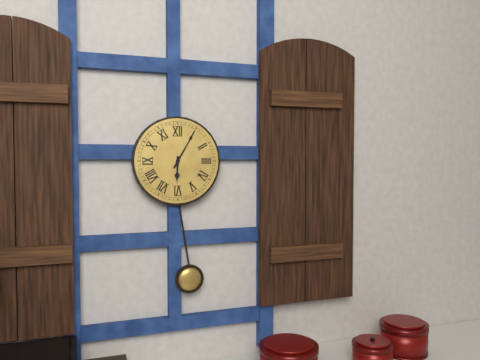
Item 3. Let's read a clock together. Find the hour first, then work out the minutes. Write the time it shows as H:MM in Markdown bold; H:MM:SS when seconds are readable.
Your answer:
**6:05**
